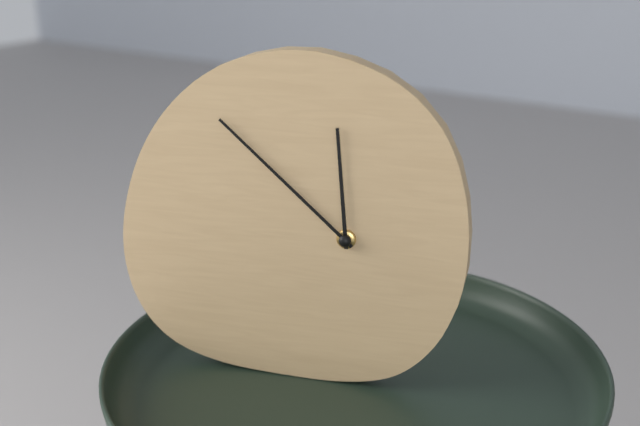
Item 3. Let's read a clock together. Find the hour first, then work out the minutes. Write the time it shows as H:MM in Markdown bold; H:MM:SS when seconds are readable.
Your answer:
**11:52**
